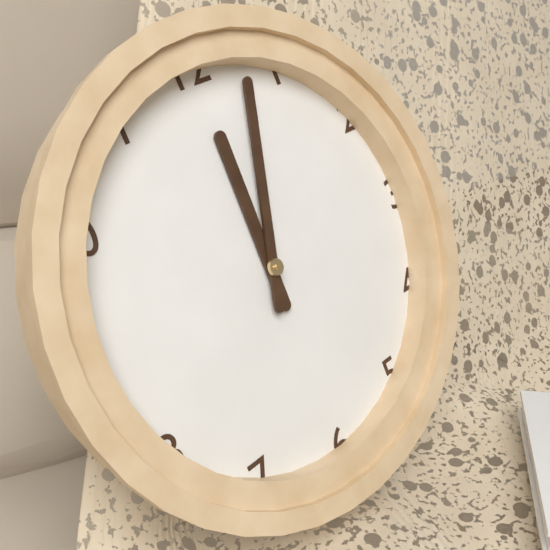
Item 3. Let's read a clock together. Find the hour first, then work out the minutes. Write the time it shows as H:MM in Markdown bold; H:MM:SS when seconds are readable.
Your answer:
**12:03**
